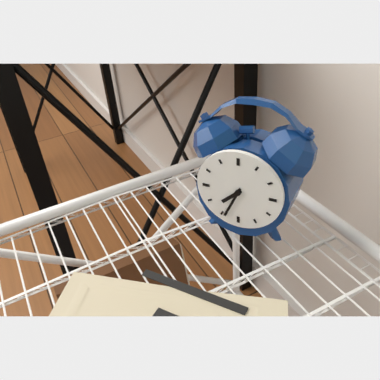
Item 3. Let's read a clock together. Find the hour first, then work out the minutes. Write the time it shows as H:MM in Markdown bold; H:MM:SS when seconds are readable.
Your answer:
**7:34**
